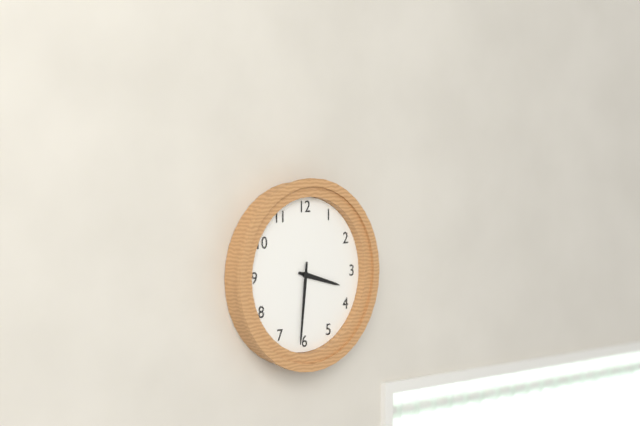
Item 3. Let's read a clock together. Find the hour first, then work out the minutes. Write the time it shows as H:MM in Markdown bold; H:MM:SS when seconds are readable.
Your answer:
**3:31**
